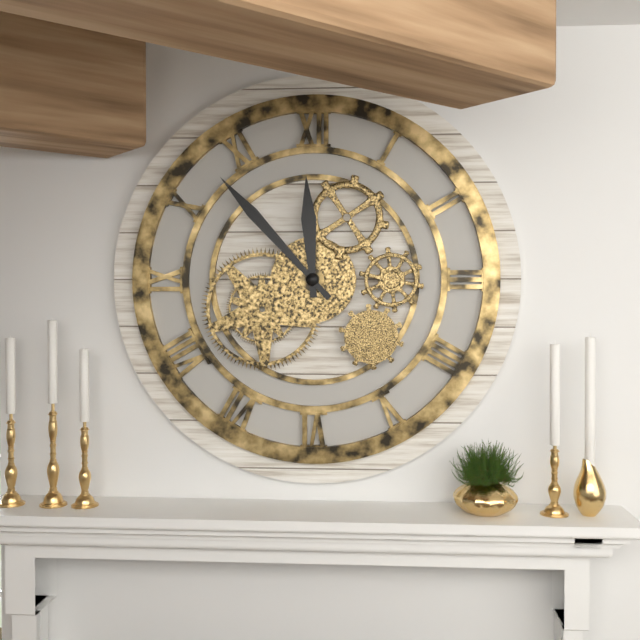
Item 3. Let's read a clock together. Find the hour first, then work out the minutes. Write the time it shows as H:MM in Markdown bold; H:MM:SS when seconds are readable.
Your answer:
**11:53**
